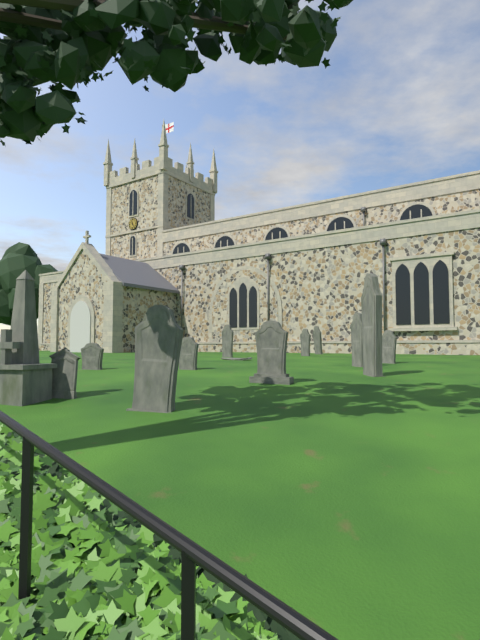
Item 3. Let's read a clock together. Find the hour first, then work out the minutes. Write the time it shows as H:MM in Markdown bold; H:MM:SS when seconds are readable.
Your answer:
**11:23**
